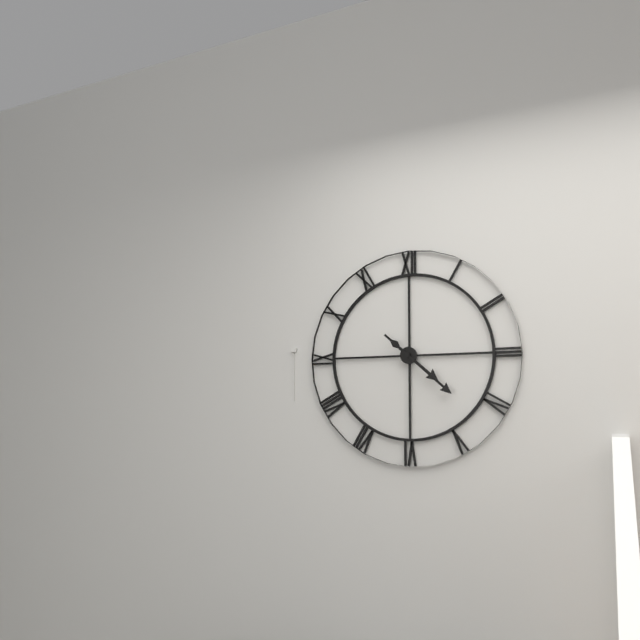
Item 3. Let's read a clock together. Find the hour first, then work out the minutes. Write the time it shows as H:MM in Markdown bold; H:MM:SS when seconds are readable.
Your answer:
**4:22**
